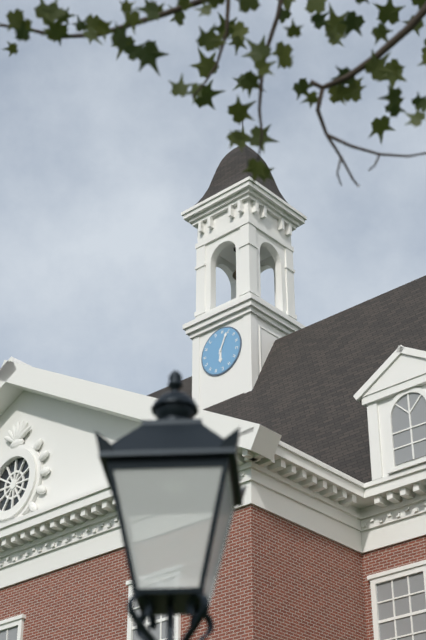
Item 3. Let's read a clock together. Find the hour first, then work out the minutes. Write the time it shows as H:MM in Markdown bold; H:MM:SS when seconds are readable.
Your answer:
**6:04**
